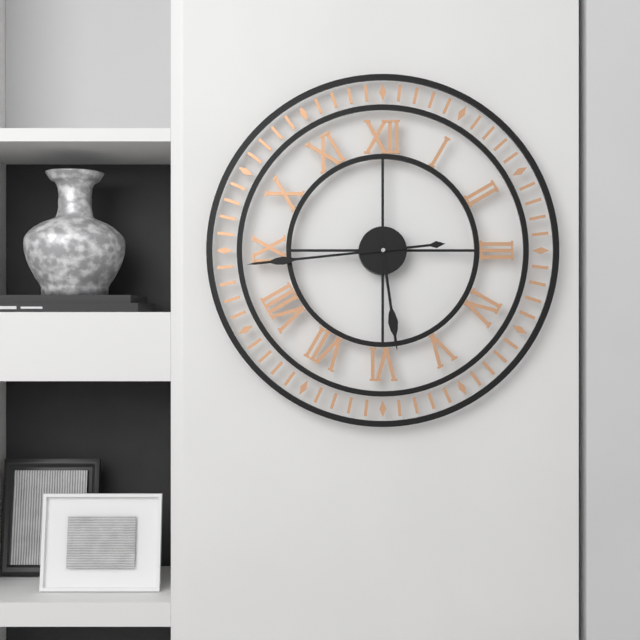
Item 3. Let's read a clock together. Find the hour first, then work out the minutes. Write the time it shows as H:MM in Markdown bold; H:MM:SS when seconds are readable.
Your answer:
**5:44**
